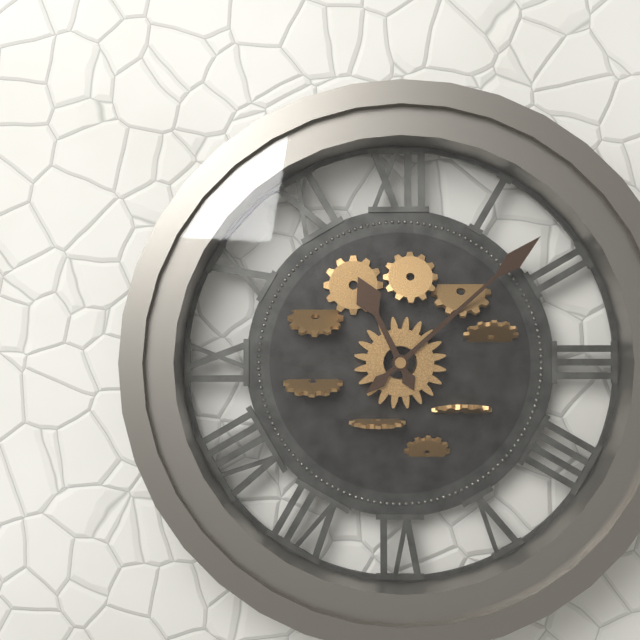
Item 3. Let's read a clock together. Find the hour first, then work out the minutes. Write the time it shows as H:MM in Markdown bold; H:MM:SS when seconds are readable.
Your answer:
**11:08**
